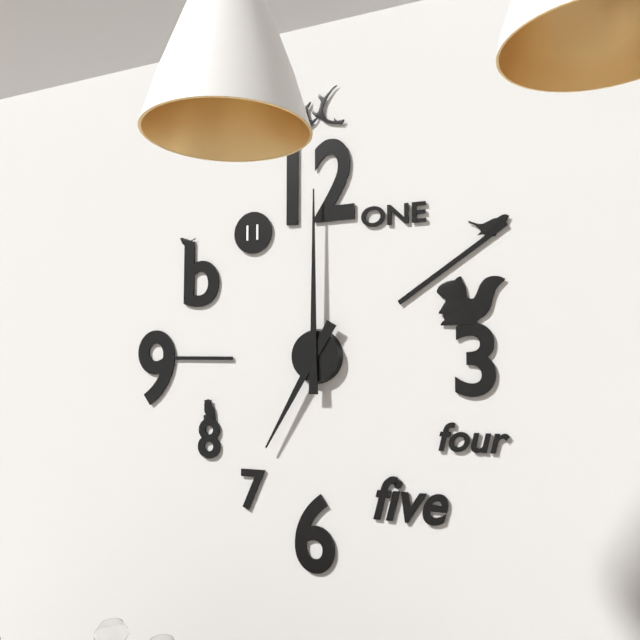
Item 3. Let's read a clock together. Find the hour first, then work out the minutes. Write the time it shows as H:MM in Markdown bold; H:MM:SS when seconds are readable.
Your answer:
**7:00**
